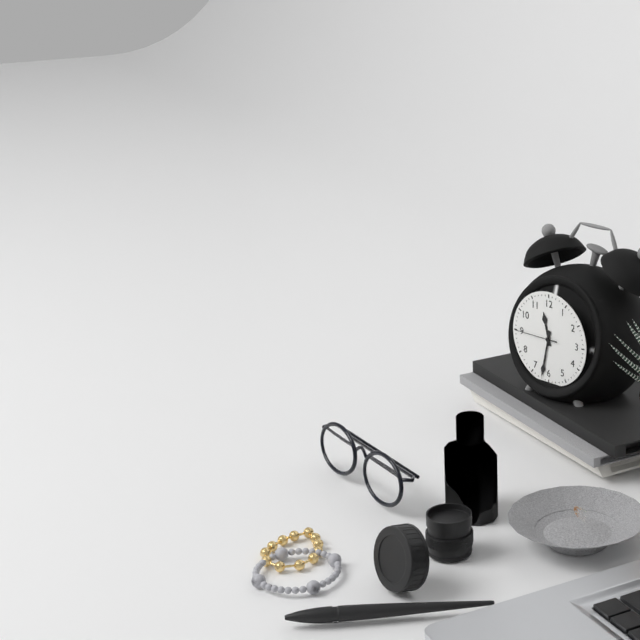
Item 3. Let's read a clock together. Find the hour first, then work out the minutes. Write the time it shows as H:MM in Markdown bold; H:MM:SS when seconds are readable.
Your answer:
**11:32**
